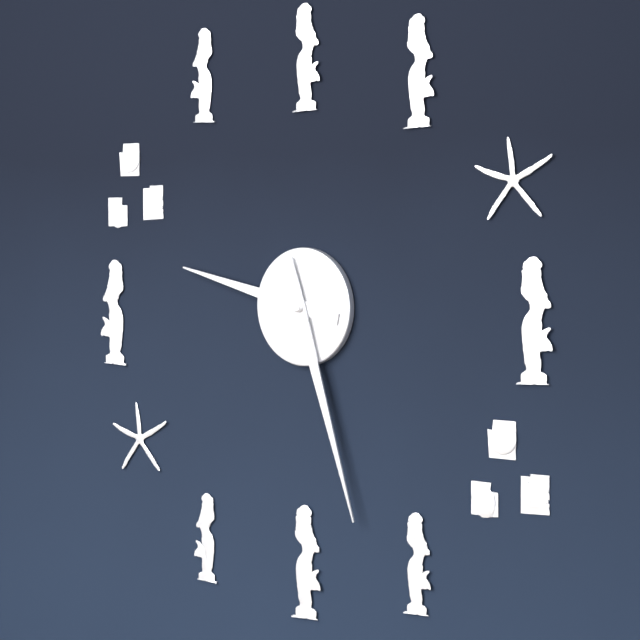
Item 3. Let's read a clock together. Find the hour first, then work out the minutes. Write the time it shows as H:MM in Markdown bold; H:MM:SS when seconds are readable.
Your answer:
**9:27**
